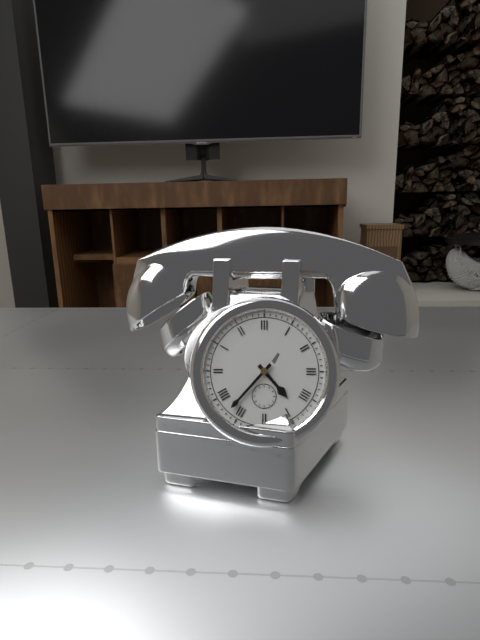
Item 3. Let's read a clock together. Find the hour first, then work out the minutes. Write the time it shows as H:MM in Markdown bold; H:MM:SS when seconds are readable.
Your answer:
**4:37**
